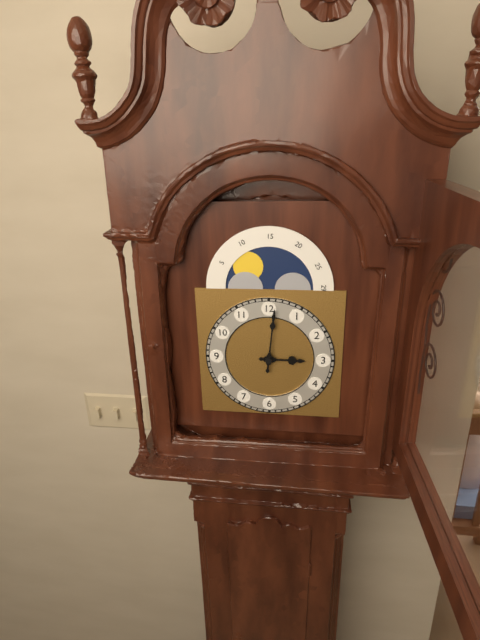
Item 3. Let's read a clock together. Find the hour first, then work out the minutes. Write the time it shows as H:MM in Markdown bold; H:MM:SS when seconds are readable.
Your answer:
**3:01**
